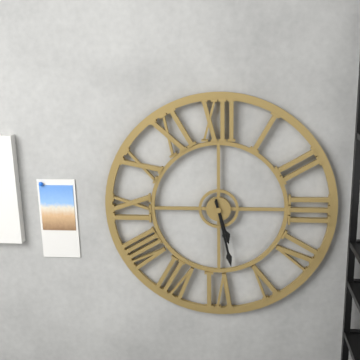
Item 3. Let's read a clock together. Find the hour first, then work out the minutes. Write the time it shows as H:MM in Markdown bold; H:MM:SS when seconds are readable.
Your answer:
**5:28**
